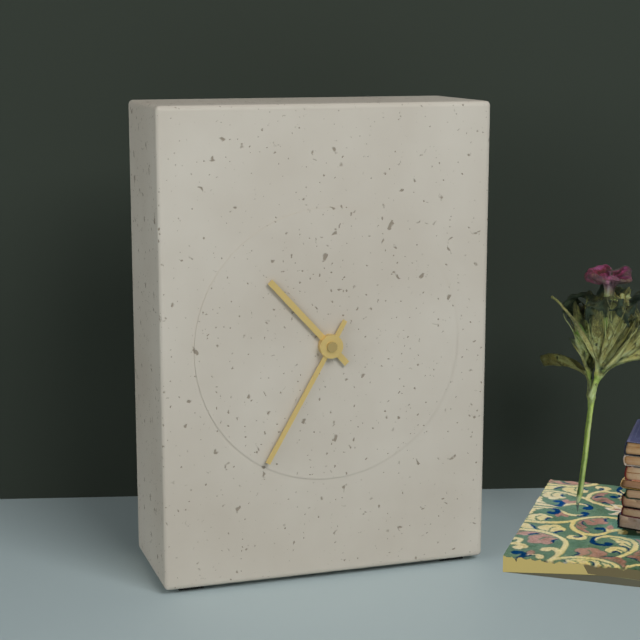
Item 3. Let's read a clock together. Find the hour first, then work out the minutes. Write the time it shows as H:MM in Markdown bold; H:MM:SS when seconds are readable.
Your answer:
**10:35**
